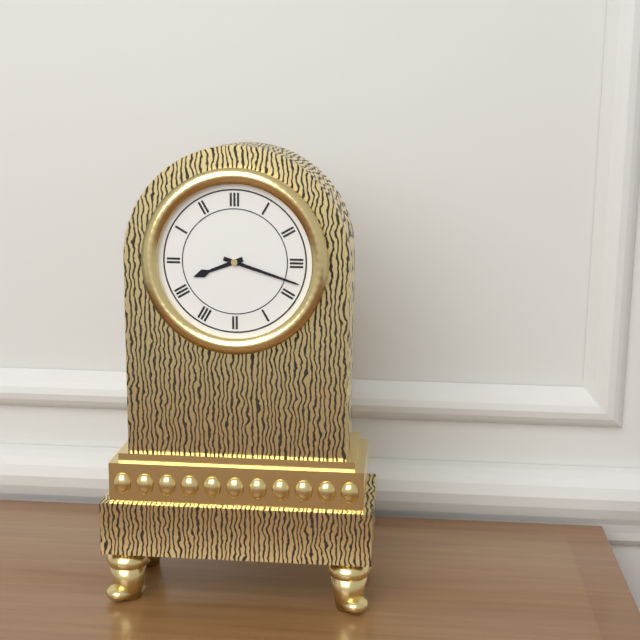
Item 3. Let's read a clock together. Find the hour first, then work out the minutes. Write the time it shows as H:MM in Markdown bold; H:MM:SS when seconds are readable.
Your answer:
**8:18**
